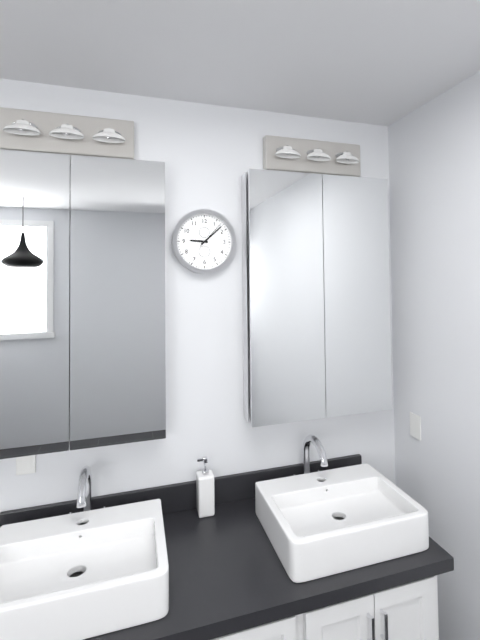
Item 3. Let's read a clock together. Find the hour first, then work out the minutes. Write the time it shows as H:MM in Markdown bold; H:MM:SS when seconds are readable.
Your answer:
**9:08**
